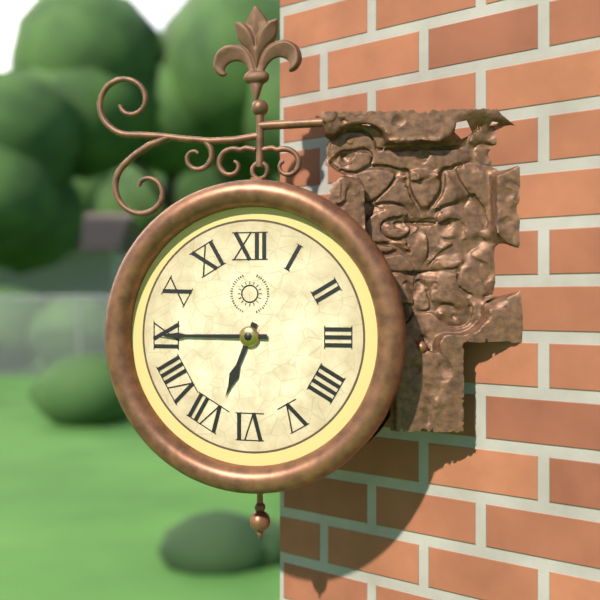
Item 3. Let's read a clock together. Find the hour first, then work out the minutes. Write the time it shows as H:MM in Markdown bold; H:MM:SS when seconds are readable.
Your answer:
**6:45**
